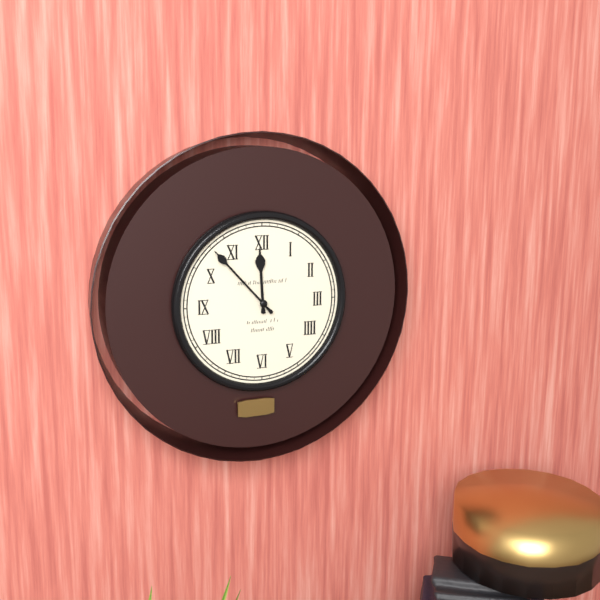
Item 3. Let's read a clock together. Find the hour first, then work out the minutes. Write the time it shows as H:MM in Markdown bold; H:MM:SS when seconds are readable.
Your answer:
**11:53**
